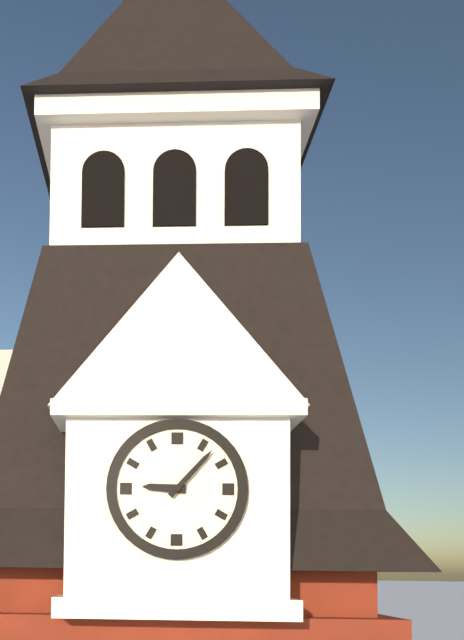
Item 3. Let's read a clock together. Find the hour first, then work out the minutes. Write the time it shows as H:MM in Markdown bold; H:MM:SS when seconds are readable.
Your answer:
**9:07**
